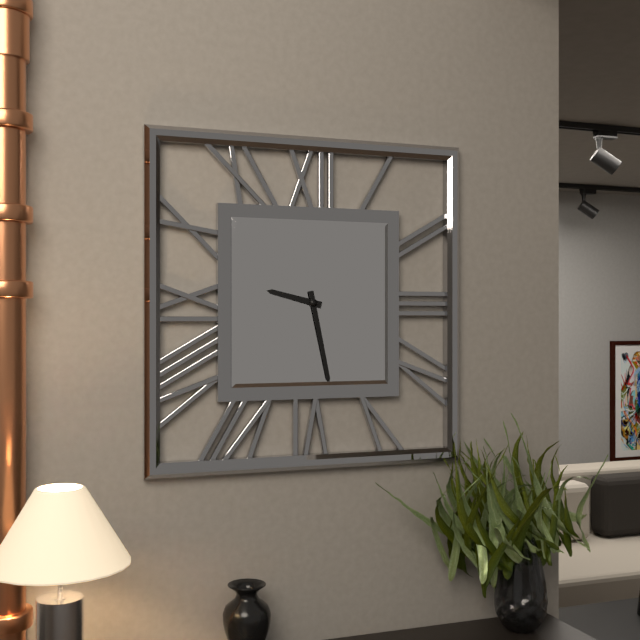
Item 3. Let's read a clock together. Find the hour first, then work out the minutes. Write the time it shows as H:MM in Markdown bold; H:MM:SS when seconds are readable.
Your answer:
**9:28**
